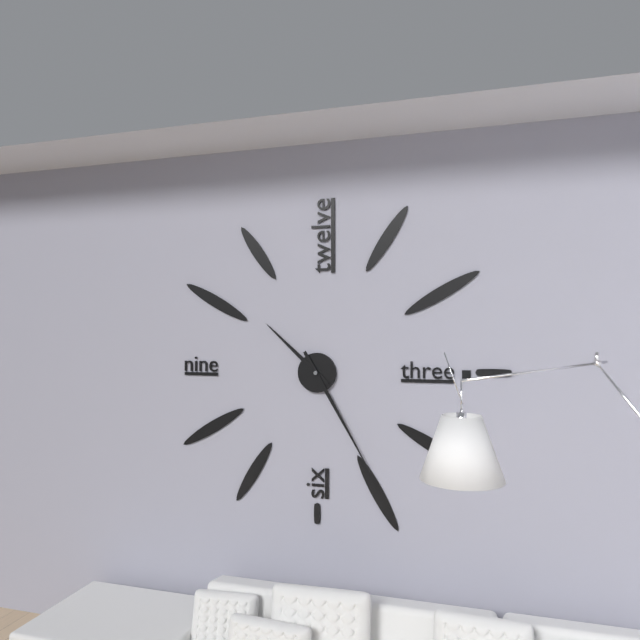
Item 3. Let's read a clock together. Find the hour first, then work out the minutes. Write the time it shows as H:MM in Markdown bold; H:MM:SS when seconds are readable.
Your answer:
**10:25**
